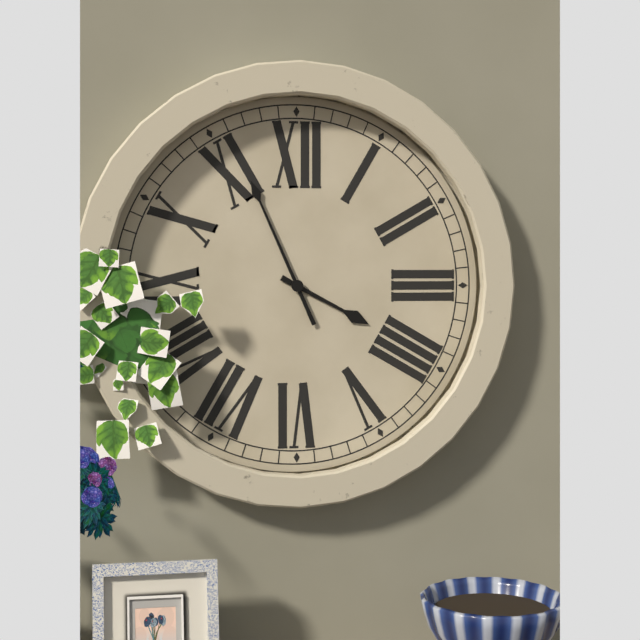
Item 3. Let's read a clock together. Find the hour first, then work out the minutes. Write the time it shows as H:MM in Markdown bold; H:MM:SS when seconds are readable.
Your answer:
**3:56**
